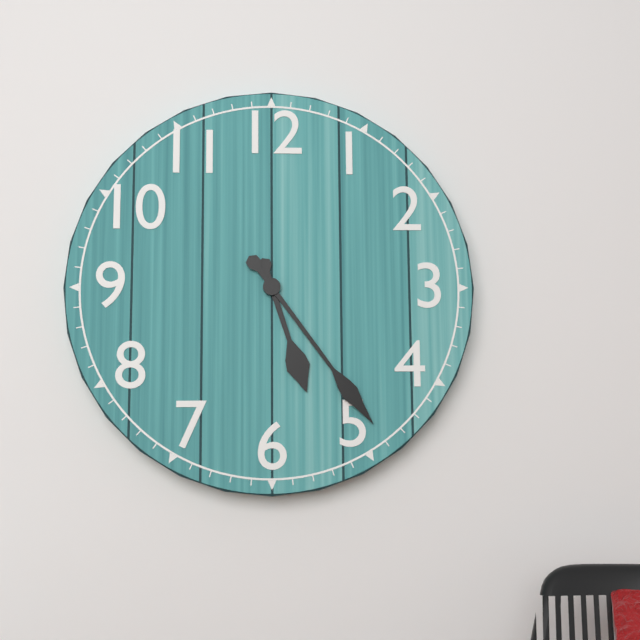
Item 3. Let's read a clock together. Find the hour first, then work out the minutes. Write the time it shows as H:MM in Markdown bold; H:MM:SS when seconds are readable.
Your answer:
**5:24**
